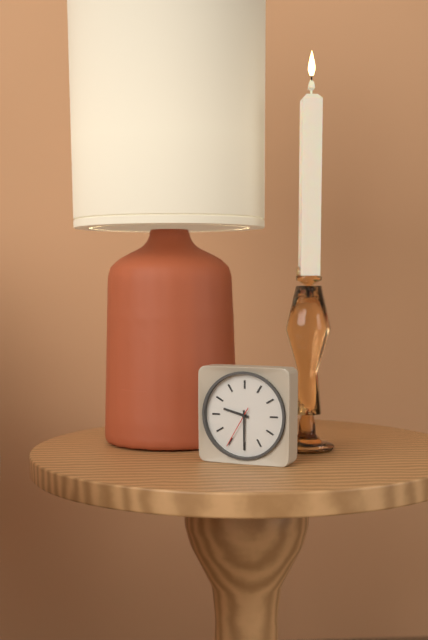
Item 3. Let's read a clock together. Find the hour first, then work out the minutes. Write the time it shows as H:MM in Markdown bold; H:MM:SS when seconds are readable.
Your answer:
**9:30**
